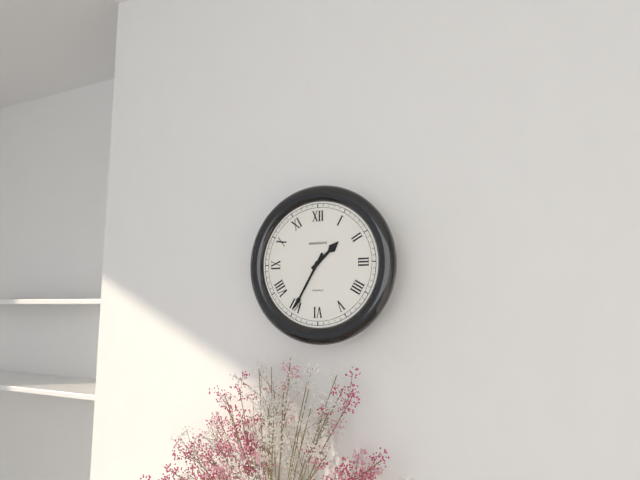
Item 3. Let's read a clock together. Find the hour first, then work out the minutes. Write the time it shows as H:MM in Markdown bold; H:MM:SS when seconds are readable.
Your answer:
**1:35**
